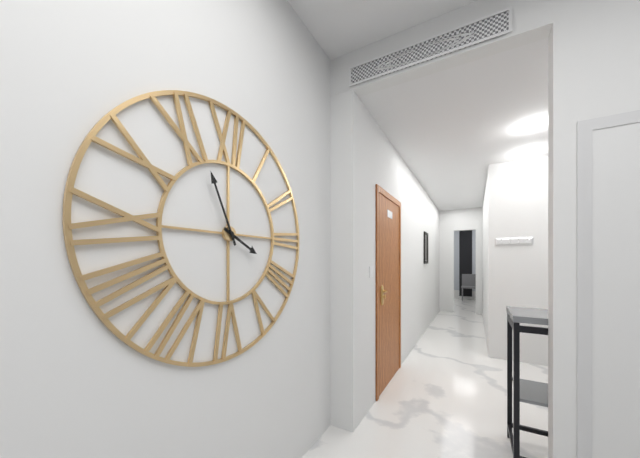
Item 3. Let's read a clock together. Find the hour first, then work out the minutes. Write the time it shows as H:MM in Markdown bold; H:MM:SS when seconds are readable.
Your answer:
**3:56**
